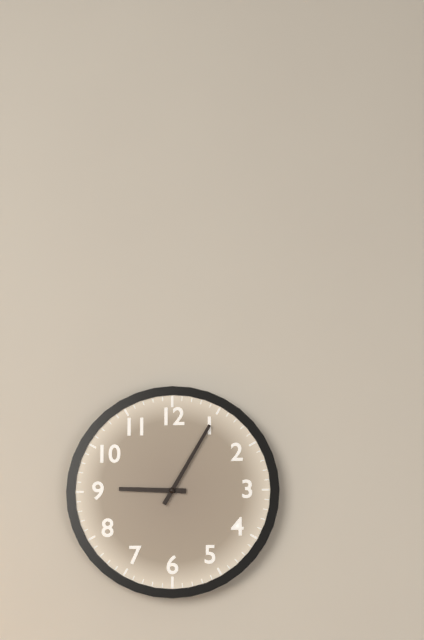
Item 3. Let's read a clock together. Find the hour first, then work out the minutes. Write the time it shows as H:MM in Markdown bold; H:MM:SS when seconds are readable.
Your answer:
**9:05**
